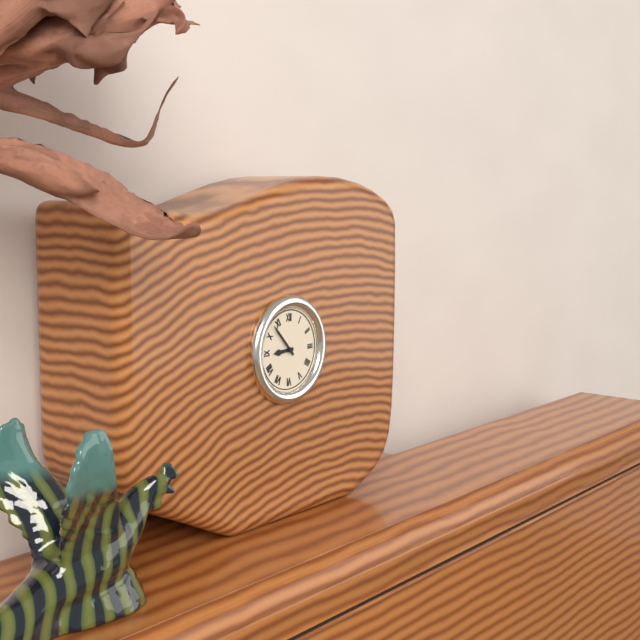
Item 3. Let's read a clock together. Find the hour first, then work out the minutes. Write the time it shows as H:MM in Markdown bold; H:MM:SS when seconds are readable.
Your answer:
**8:53**
